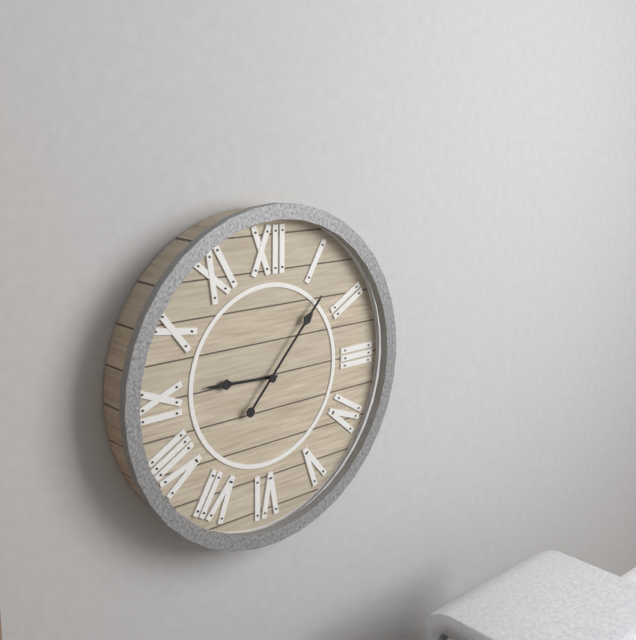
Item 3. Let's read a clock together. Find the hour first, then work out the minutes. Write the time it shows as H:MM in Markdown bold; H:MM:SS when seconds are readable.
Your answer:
**9:07**
